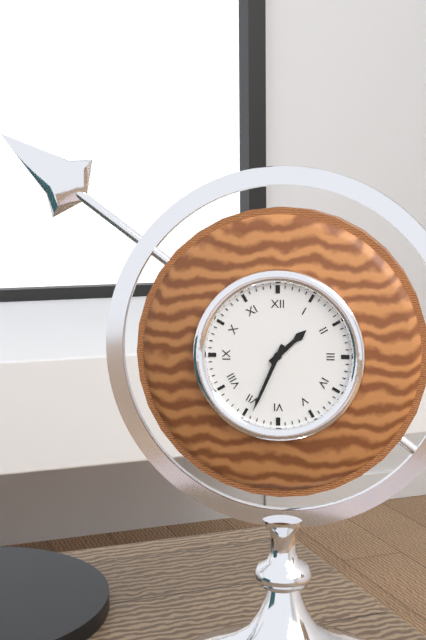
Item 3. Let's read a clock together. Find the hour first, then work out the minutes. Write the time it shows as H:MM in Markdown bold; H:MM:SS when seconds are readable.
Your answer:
**1:34**
